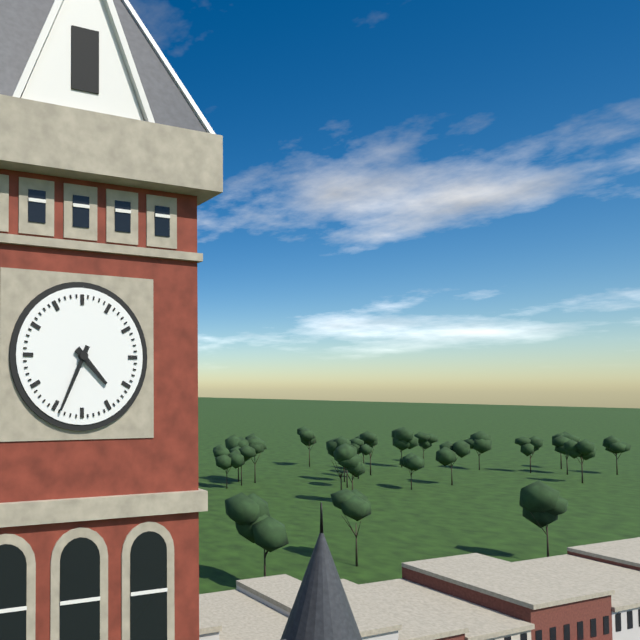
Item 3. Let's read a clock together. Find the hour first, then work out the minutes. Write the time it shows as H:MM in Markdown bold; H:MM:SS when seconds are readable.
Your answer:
**4:34**
